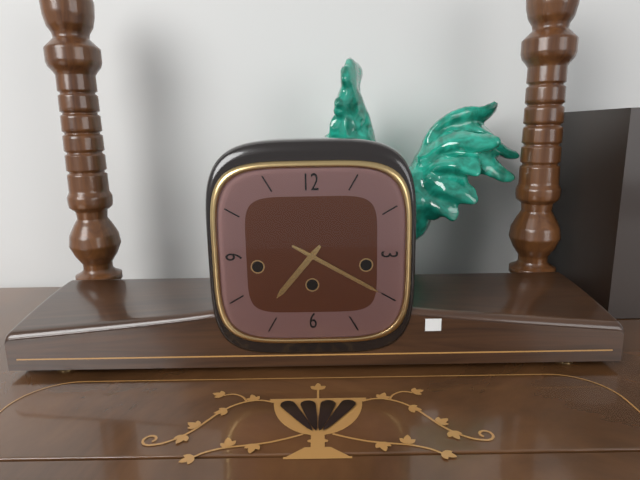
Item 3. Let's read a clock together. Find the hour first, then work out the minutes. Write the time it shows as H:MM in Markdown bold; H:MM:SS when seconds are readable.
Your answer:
**7:20**
